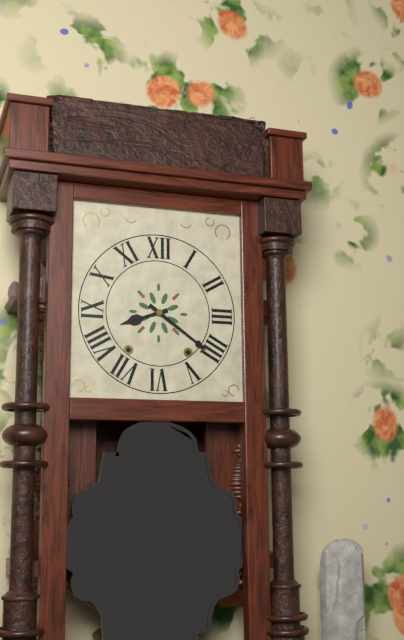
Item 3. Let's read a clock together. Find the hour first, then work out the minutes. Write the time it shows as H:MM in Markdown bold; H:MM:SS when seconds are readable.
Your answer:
**8:21**
